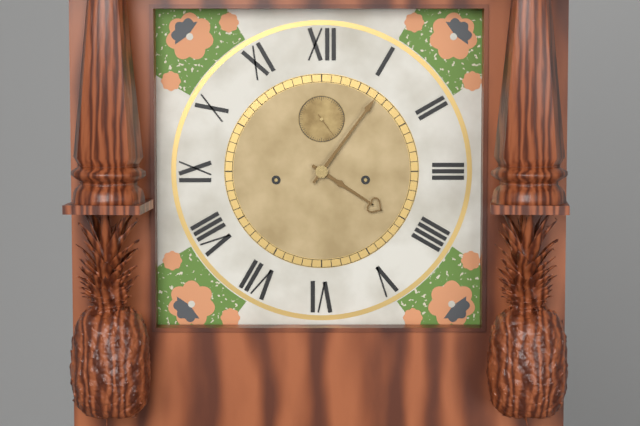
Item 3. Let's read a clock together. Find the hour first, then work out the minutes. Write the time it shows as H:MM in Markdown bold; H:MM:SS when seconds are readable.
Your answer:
**4:06**
